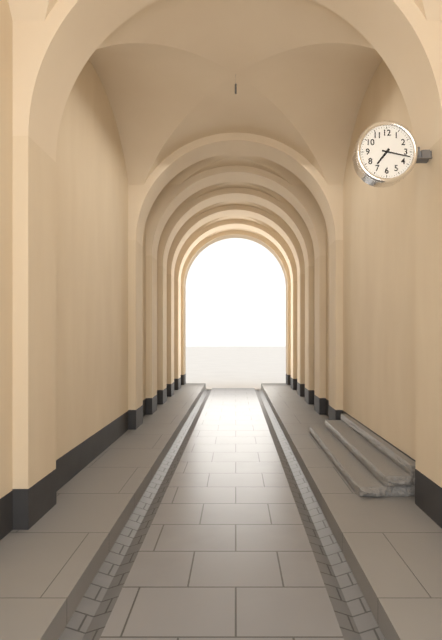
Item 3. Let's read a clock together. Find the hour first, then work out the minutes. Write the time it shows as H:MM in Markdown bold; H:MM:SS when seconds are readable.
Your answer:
**7:17**
